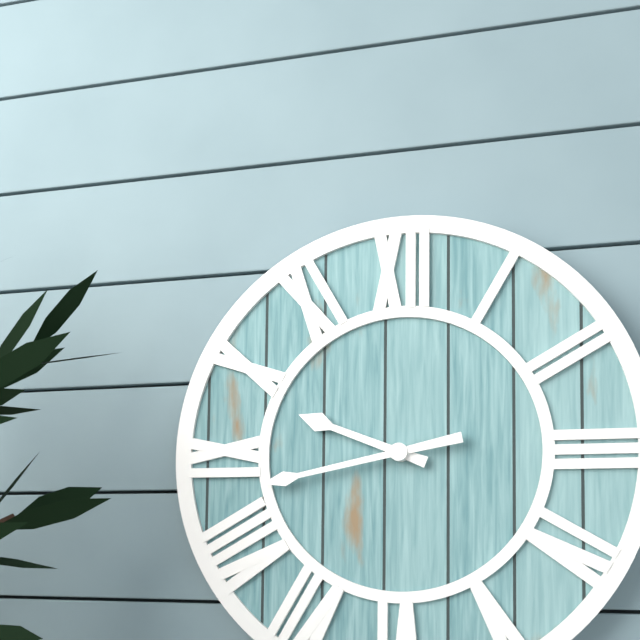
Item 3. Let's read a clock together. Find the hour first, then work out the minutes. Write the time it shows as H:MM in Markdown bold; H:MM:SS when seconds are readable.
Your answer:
**9:43**
